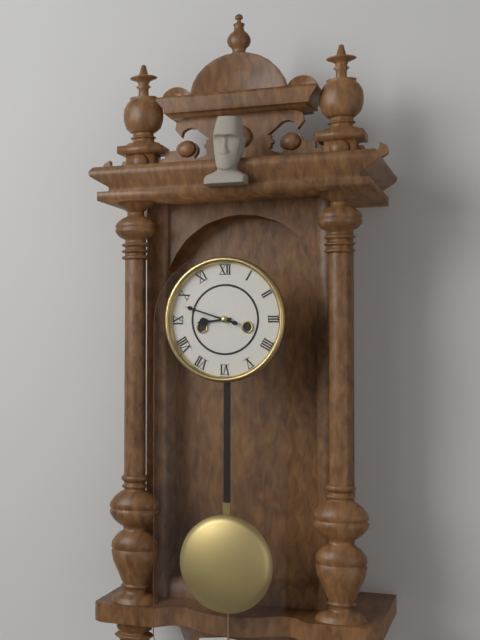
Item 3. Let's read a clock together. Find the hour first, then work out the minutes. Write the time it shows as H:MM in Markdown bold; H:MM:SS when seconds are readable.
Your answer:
**8:48**
